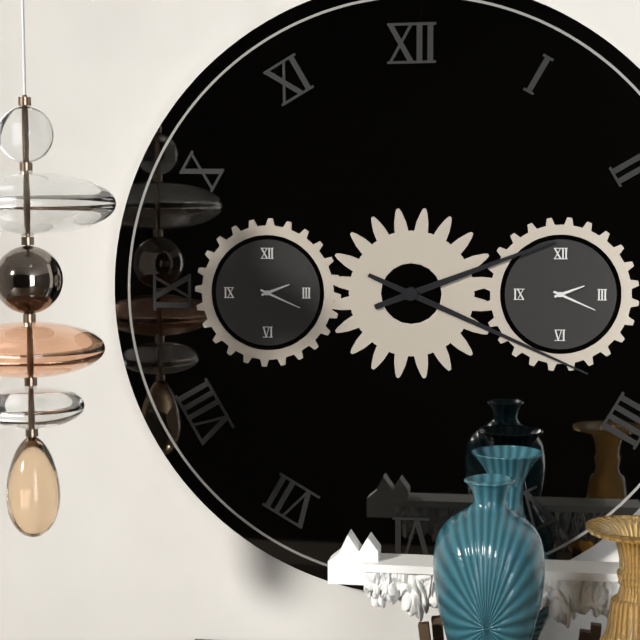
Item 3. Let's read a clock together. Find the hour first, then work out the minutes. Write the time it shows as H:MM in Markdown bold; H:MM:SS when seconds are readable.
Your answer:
**2:19**
